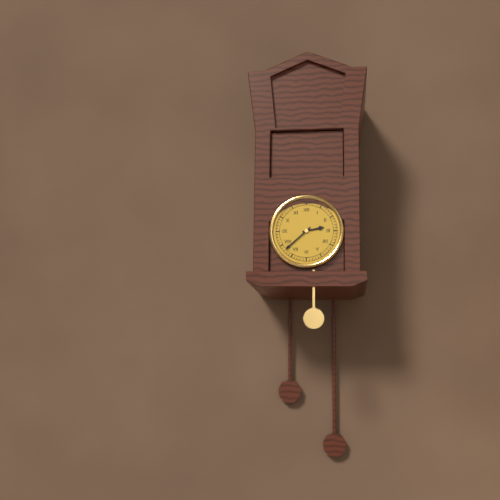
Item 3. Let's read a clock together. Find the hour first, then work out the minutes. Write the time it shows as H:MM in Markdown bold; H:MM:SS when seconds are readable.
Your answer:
**2:38**
